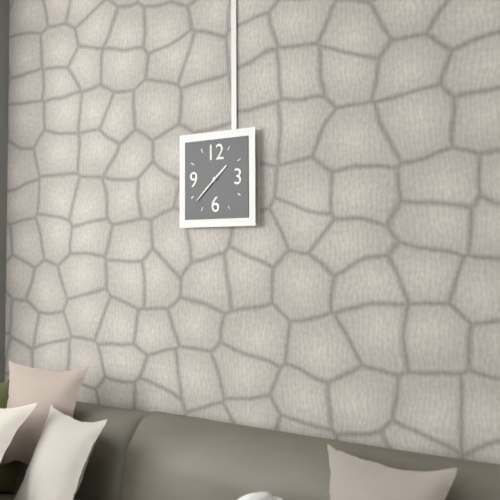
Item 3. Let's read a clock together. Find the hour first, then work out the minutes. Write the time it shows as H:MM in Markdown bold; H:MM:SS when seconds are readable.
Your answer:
**1:38**
